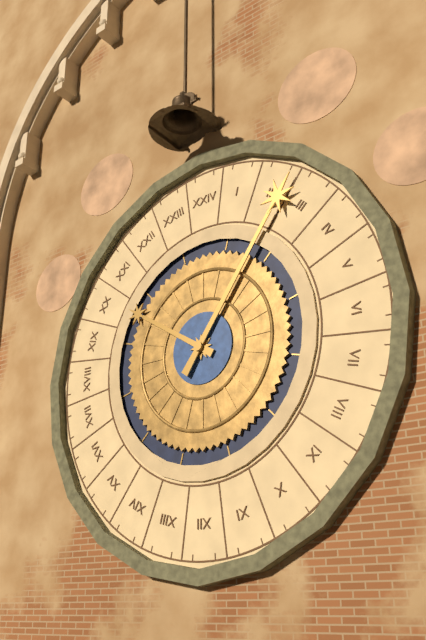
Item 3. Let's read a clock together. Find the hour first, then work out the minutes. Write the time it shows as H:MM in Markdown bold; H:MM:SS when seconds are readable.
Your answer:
**10:06**
